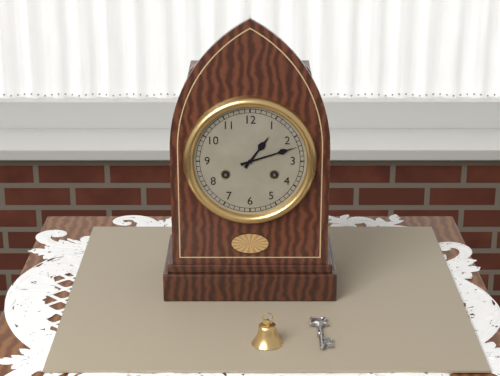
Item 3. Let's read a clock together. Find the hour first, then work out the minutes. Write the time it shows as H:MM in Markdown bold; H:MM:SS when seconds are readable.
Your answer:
**1:12**
